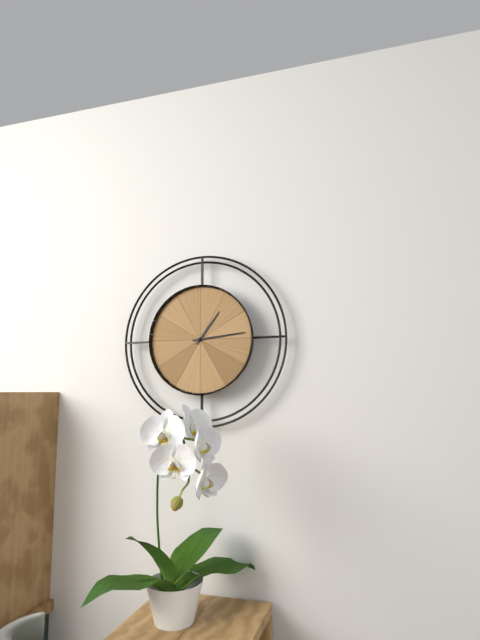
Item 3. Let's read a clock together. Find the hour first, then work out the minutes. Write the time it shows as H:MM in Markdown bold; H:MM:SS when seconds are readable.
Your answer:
**1:14**
